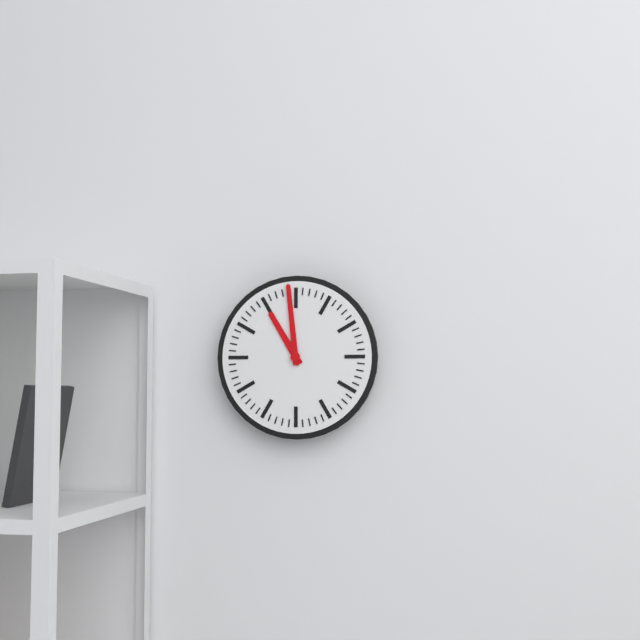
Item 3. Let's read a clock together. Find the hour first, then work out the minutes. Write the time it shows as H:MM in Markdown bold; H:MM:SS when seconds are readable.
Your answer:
**10:59**
